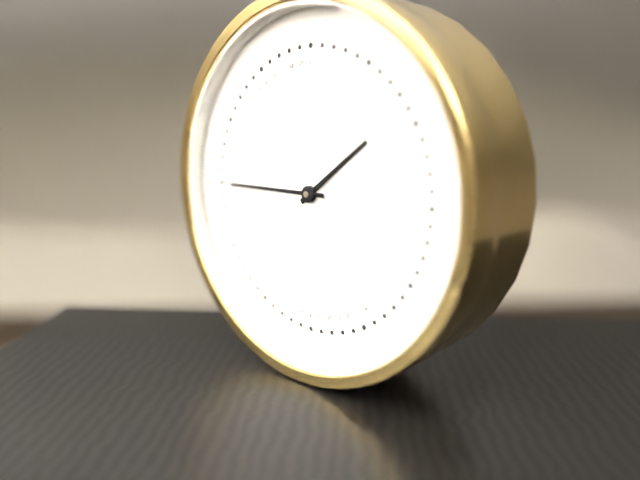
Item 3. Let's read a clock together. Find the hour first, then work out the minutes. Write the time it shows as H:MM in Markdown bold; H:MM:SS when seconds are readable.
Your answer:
**1:45**
